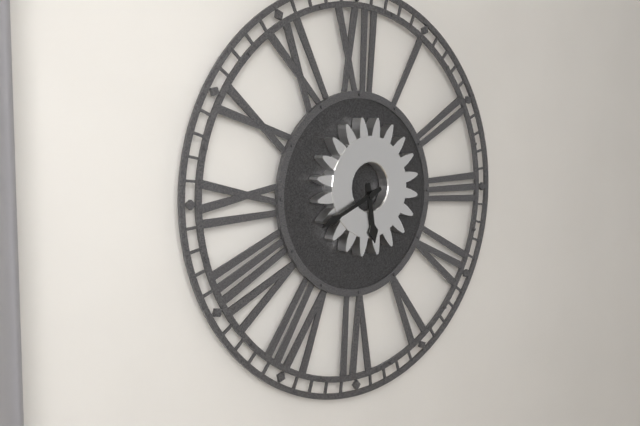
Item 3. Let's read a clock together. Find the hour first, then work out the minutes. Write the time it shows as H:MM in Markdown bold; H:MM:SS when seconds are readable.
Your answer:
**5:41**
